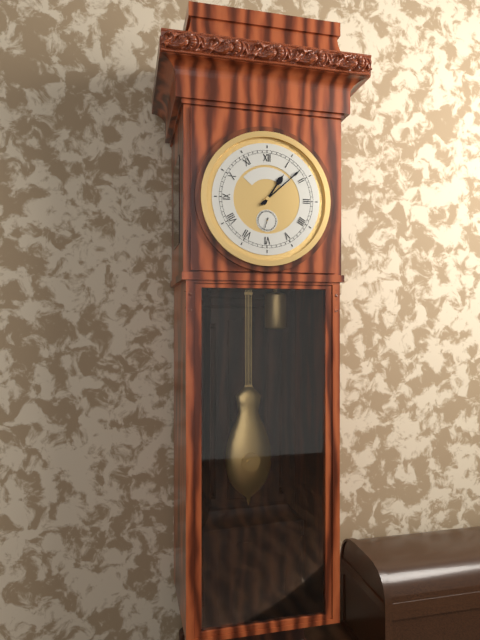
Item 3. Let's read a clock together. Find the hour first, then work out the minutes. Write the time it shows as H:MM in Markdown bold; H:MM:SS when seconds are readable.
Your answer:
**1:08**
